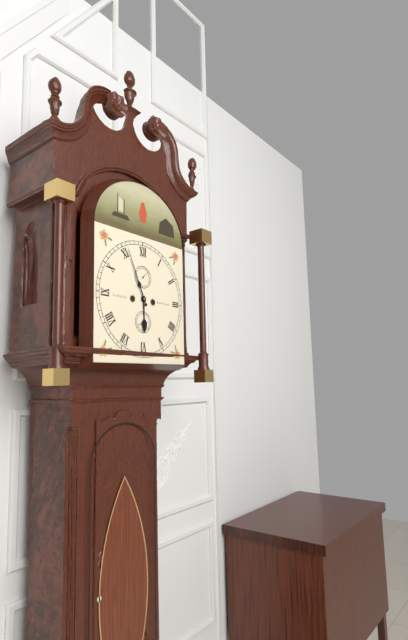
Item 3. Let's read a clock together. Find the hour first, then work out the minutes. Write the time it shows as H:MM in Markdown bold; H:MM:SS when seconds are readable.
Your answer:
**5:56**
